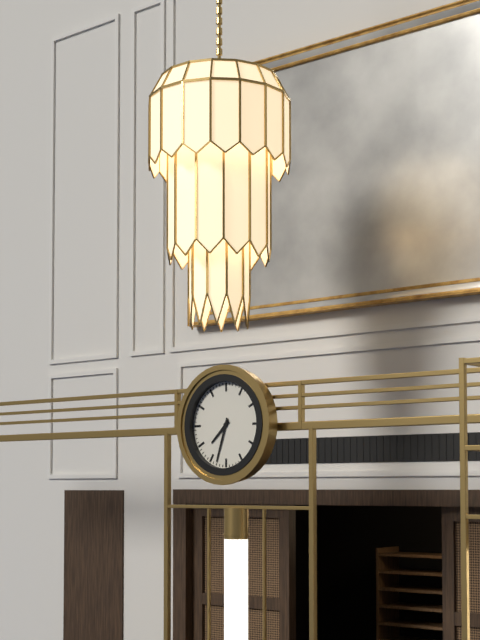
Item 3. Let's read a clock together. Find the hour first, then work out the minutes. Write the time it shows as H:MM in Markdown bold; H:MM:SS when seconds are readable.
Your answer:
**7:33**
